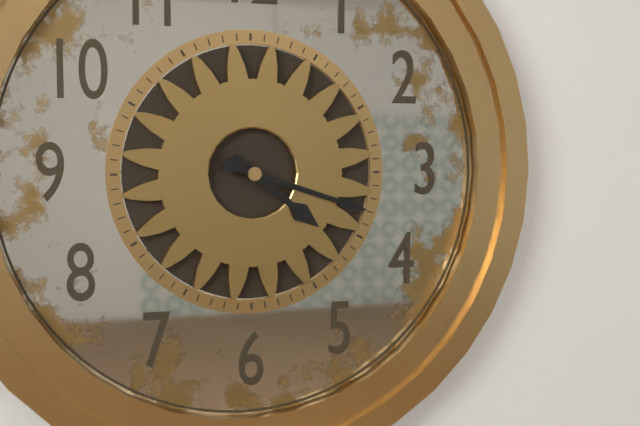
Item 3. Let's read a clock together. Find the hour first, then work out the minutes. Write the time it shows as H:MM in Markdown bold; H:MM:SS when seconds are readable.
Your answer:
**4:18**
